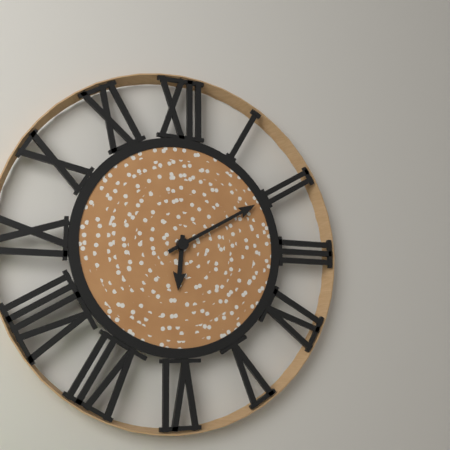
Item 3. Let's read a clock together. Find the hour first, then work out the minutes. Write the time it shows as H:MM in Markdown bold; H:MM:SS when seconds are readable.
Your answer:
**6:10**
